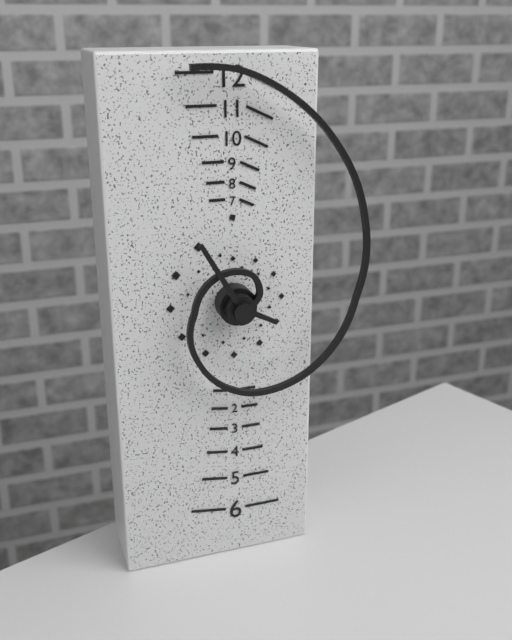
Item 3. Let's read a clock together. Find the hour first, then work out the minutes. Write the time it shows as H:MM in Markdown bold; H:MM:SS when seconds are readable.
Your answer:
**3:55**
